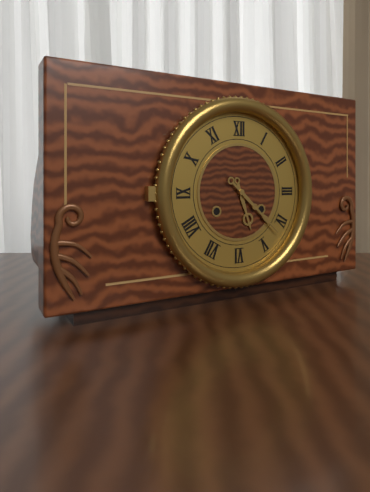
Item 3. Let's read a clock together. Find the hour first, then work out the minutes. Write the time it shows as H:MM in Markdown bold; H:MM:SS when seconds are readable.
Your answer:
**5:22**
